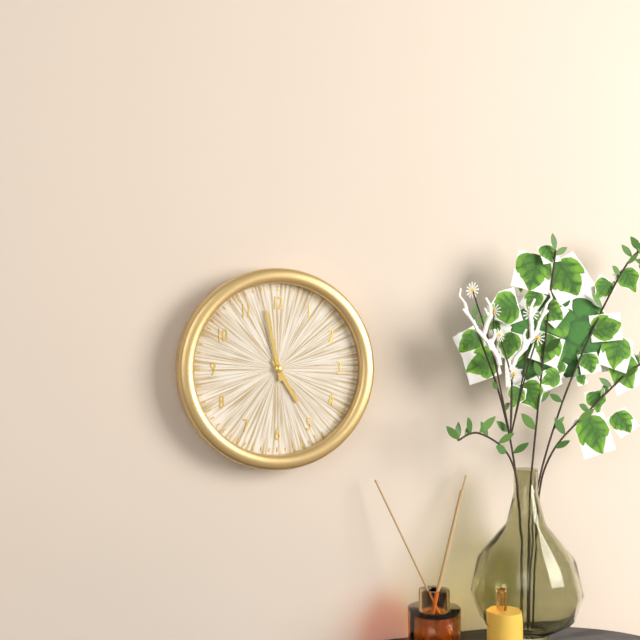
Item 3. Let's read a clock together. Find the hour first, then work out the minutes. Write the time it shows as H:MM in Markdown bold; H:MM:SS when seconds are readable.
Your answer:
**4:58**
